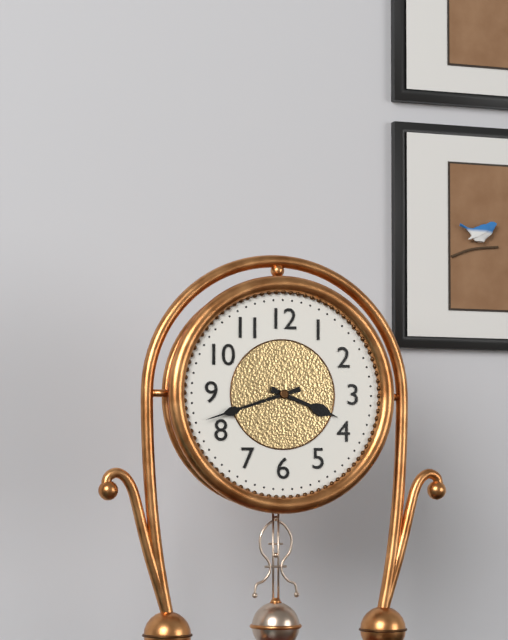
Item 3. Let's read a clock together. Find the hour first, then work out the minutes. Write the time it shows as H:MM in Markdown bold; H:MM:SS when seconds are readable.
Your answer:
**3:42**
